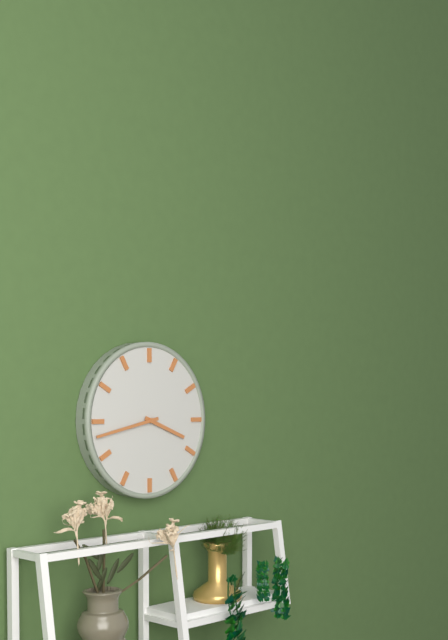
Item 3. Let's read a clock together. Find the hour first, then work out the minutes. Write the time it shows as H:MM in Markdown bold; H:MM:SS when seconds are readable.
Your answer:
**3:43**
